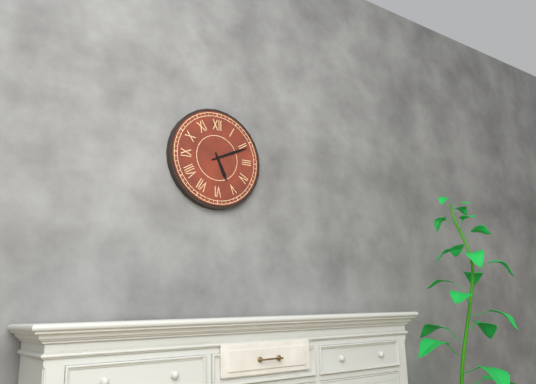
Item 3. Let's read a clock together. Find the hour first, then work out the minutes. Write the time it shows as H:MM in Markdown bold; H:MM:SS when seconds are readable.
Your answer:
**5:11**
